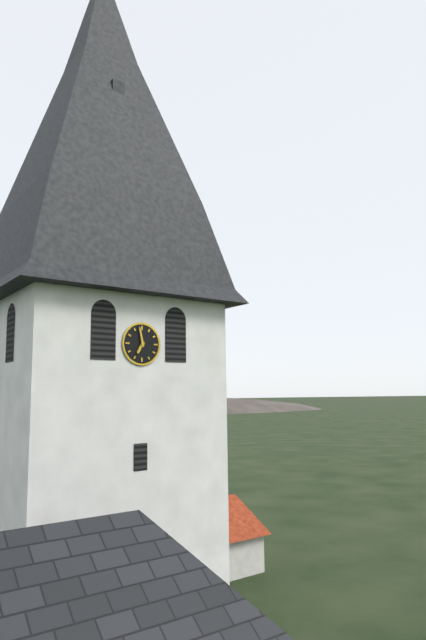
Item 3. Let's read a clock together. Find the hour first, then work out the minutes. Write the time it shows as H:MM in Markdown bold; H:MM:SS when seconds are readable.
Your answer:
**6:58**
